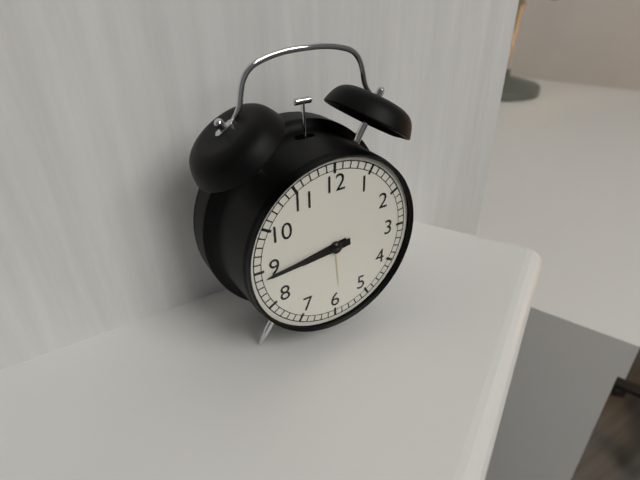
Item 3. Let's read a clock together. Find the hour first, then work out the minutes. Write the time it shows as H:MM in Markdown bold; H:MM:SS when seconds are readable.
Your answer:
**8:44**
